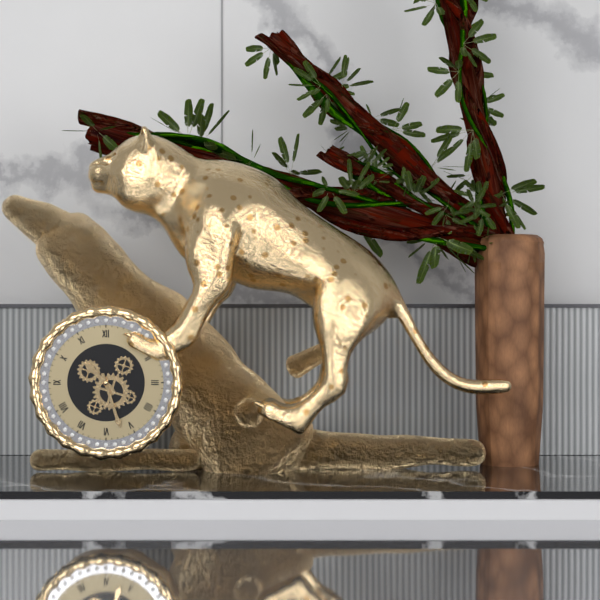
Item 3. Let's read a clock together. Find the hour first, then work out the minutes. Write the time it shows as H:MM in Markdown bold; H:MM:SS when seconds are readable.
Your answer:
**10:27**
